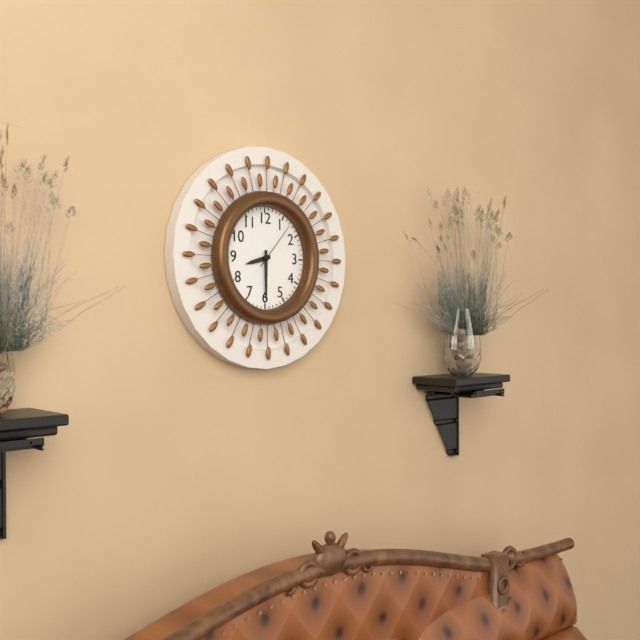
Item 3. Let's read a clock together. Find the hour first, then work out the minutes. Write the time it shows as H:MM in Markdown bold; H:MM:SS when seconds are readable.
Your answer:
**8:30**
